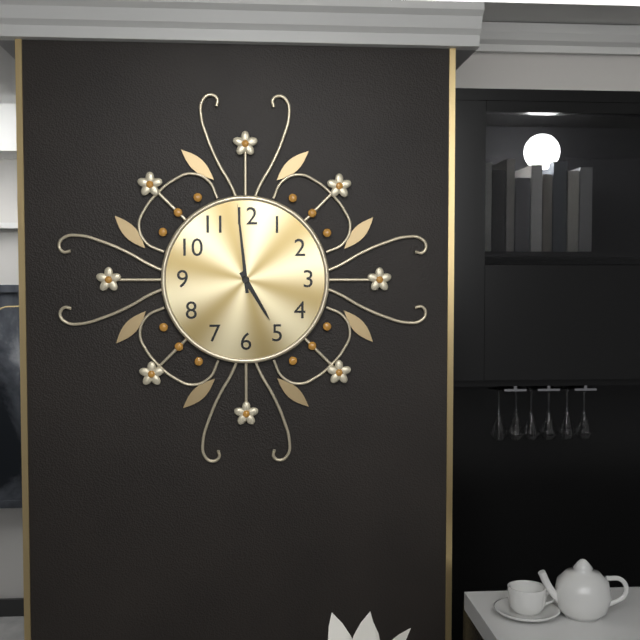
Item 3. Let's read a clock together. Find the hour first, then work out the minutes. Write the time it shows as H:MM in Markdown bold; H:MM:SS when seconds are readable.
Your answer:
**4:59**
